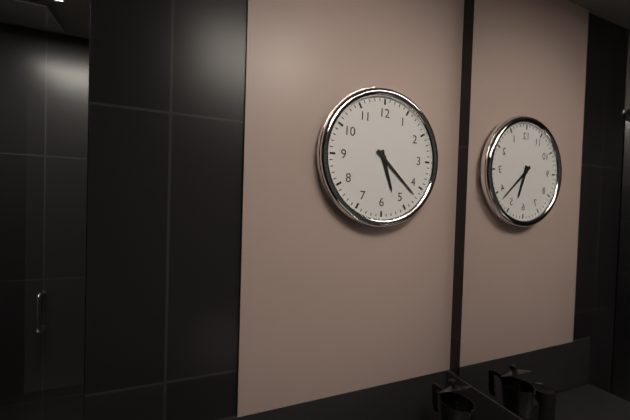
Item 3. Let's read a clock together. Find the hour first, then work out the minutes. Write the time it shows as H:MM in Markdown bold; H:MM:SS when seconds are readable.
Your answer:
**5:22**
